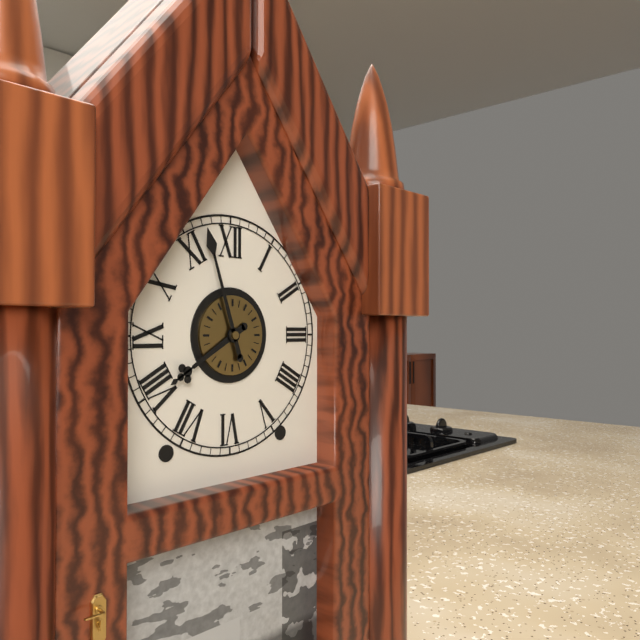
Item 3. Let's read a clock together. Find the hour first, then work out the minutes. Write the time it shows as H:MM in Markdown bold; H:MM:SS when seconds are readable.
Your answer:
**7:57**
